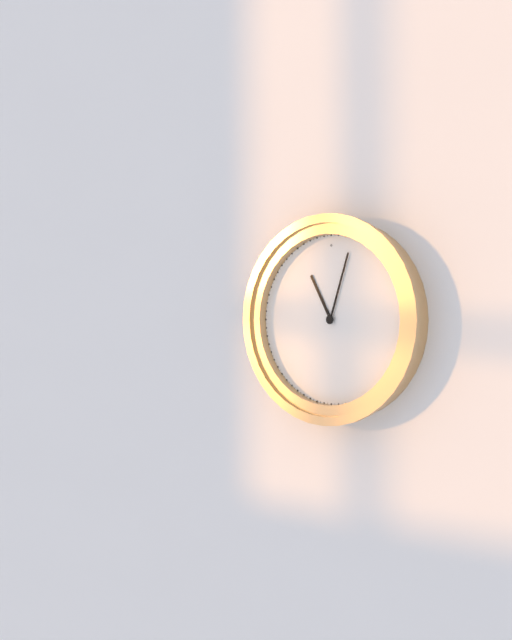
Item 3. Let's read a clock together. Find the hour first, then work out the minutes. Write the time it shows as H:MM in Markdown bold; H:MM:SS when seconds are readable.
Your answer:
**11:03**
